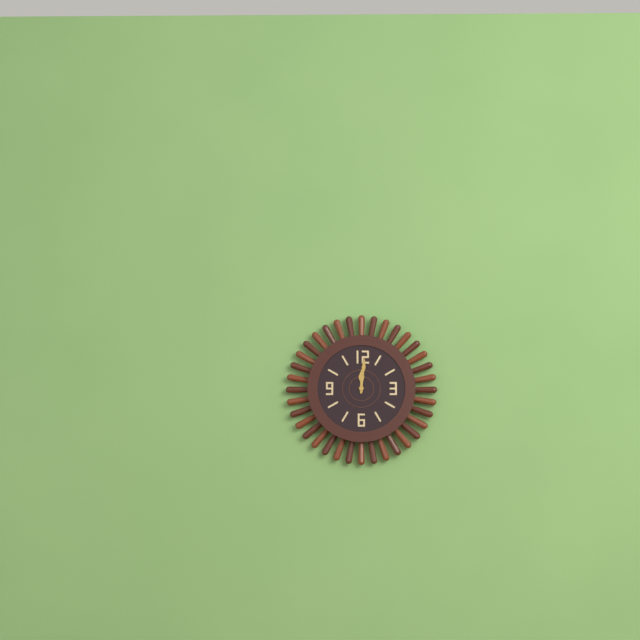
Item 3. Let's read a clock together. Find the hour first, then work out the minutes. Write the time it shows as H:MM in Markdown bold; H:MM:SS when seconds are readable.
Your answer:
**12:01**
